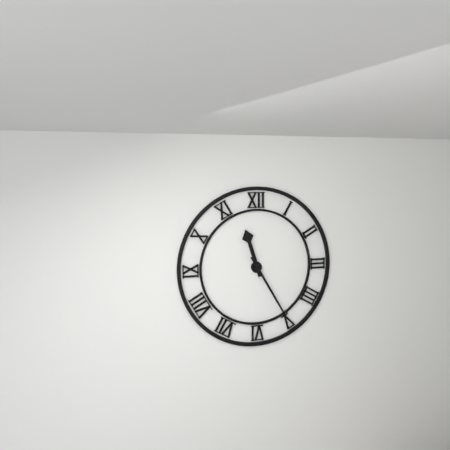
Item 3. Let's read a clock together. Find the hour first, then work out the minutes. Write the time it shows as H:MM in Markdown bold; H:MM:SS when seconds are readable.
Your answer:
**11:25**
